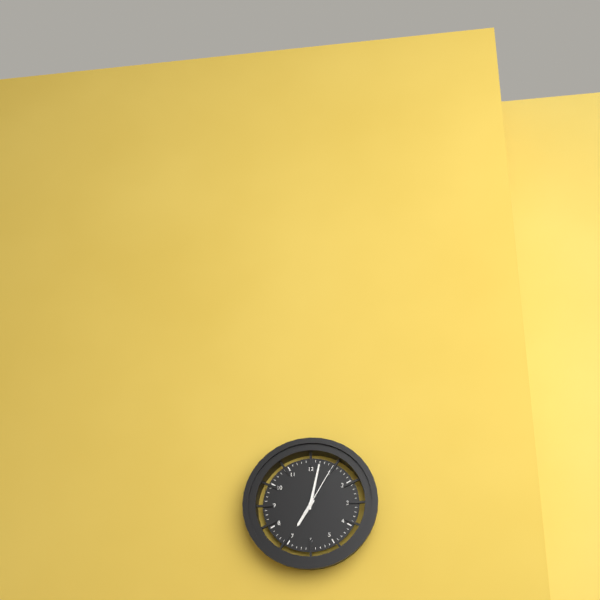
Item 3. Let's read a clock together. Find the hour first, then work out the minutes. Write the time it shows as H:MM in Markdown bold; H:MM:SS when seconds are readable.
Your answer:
**7:02**
